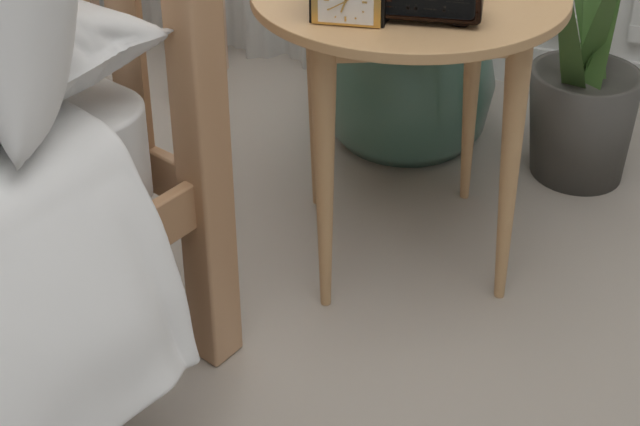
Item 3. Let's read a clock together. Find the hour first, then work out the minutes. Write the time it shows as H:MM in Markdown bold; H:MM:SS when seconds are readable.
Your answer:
**6:40**
